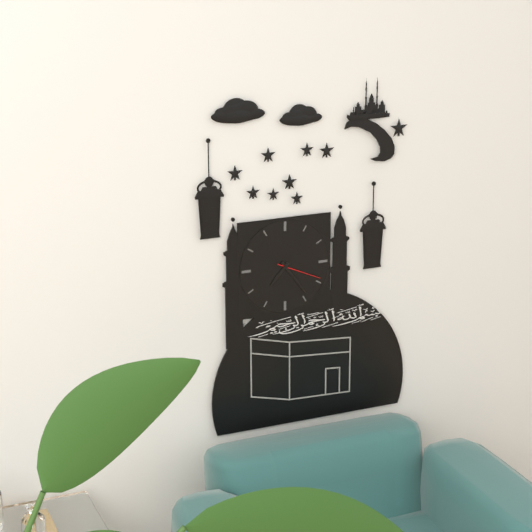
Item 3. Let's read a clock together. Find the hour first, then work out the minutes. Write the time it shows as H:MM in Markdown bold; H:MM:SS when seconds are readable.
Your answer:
**7:24**
